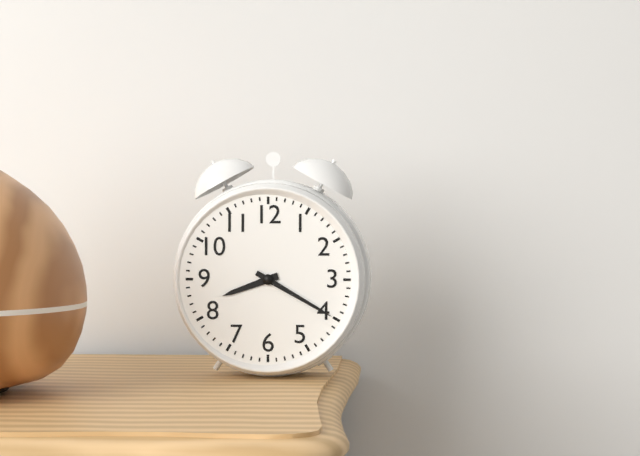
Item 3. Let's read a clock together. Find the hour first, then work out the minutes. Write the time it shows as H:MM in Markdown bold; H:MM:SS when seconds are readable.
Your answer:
**8:20**
